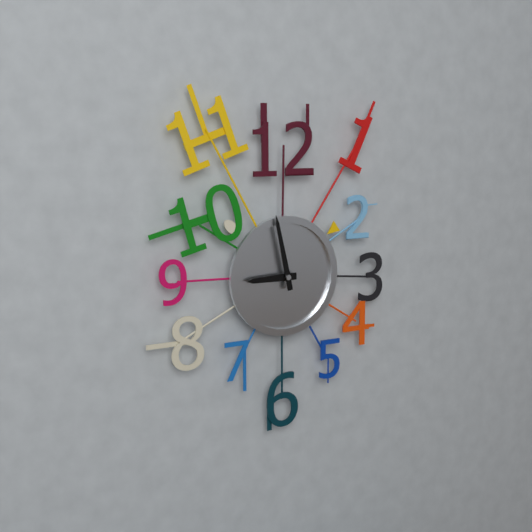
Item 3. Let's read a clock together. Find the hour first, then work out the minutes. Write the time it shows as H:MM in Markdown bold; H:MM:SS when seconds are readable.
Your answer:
**8:58**
